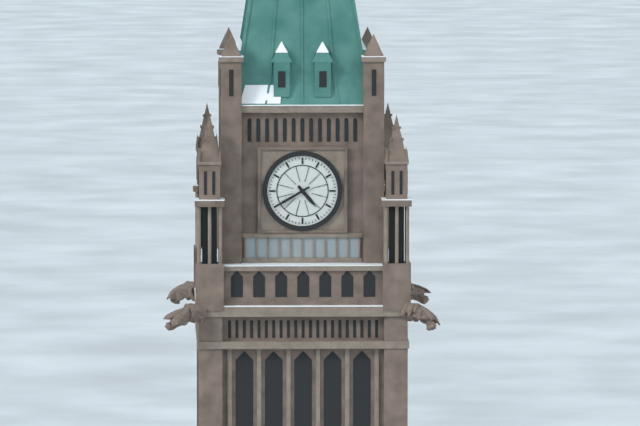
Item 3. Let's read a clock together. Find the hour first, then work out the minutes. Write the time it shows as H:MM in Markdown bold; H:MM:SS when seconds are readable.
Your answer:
**4:40**
